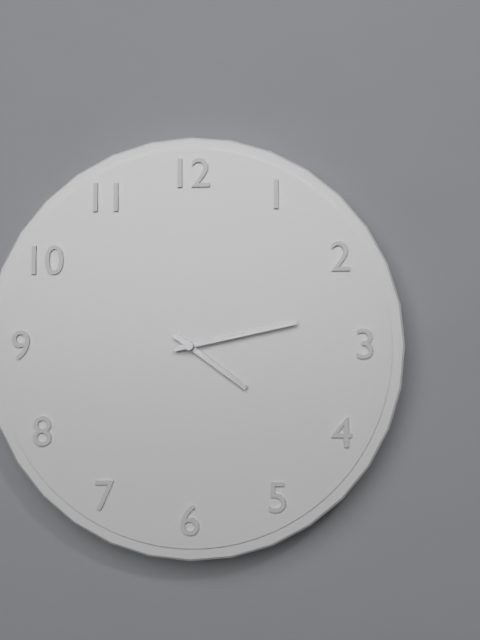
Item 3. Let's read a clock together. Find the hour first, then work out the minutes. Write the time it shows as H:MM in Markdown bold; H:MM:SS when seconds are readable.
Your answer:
**4:13**
